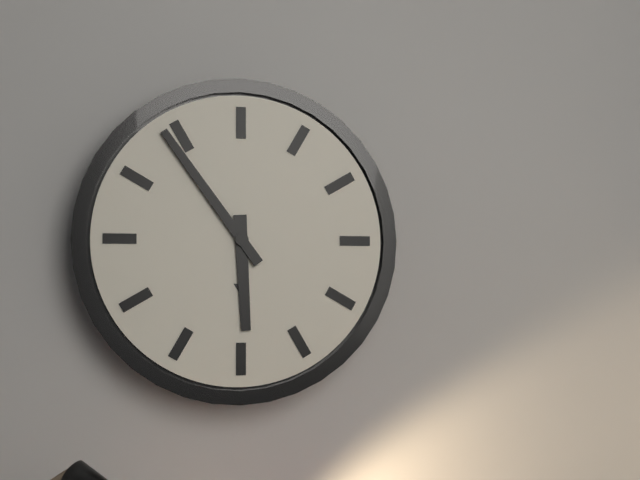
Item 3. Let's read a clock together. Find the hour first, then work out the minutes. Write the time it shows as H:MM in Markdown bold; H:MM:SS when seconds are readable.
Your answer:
**5:54**
